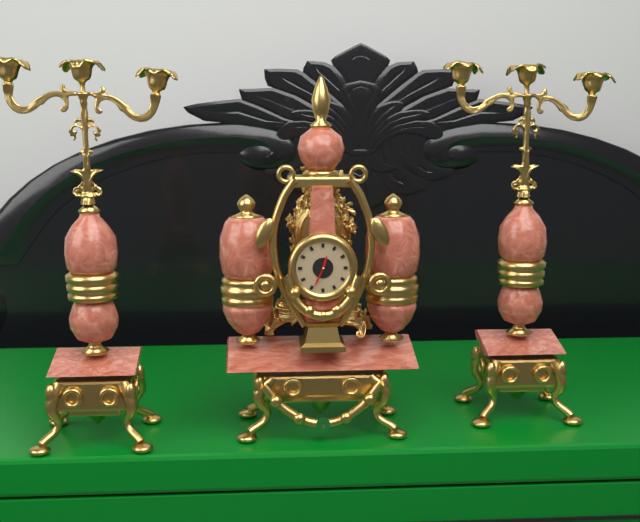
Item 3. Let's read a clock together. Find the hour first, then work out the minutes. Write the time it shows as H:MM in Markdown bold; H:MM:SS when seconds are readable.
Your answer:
**12:34**
